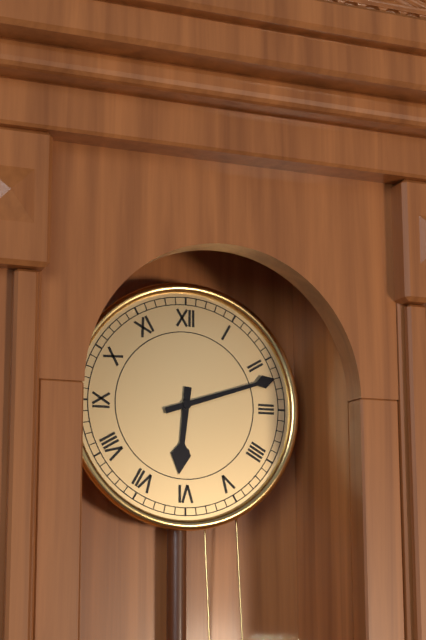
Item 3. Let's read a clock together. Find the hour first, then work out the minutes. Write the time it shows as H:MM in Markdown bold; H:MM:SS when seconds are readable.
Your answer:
**6:12**
